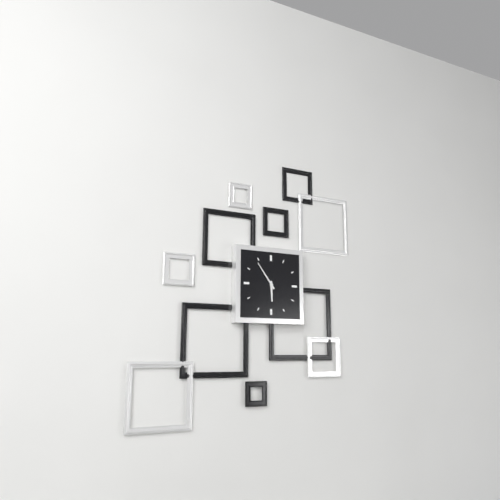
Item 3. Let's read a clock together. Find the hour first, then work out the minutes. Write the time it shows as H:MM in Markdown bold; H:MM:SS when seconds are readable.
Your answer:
**5:54**
